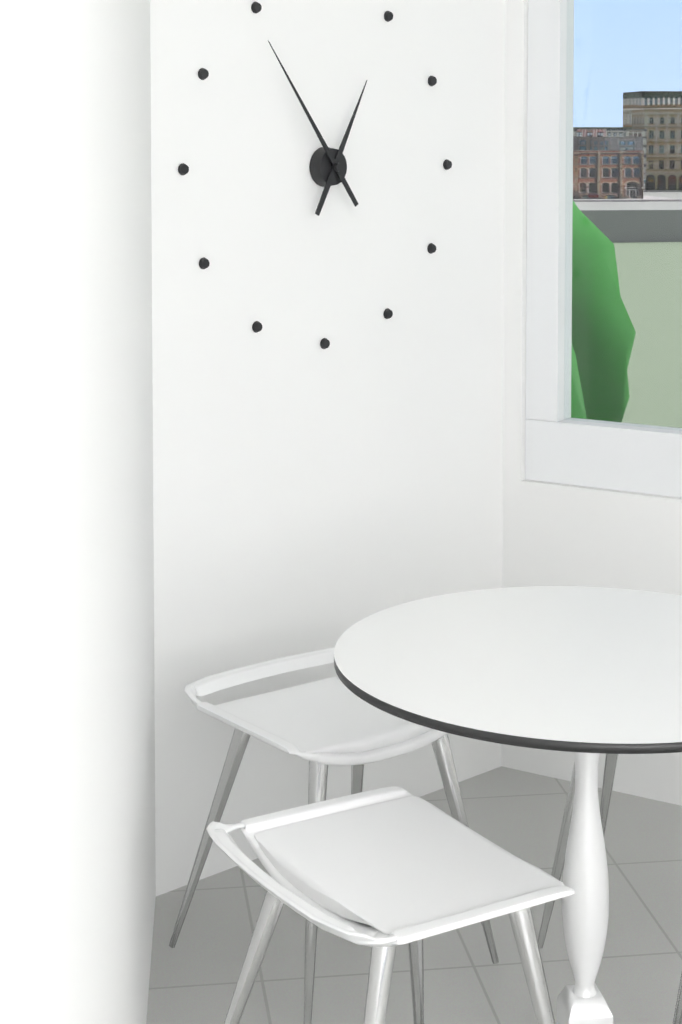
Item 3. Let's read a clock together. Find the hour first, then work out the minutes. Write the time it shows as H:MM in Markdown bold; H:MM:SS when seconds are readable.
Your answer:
**12:54**
